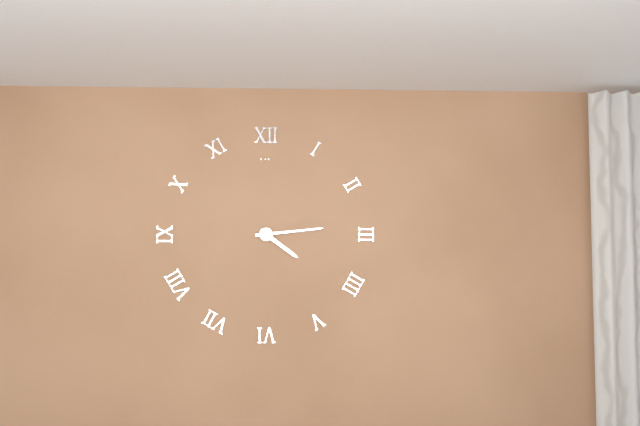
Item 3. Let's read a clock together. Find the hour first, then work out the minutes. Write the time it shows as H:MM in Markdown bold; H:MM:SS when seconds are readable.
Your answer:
**4:14**
